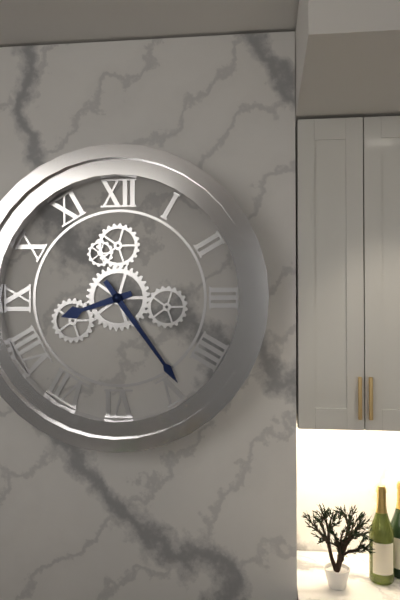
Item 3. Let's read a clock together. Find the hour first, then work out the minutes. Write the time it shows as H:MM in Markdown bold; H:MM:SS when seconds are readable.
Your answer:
**8:24**
